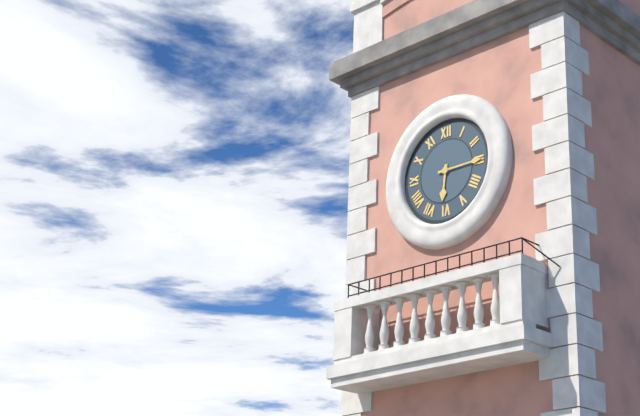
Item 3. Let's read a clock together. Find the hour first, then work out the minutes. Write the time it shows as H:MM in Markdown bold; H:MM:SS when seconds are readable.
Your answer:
**6:15**
